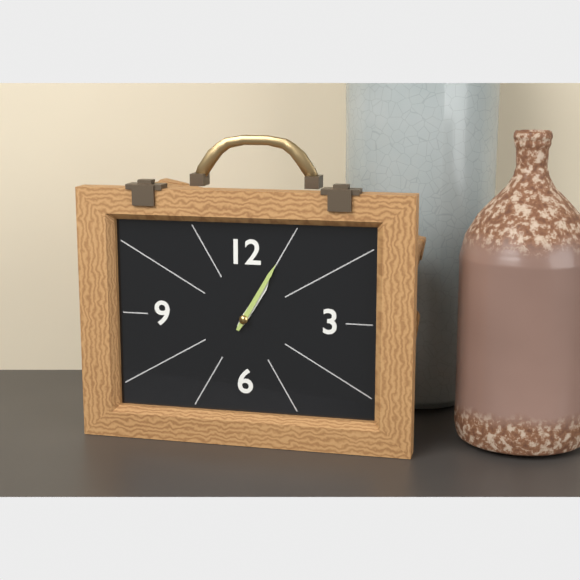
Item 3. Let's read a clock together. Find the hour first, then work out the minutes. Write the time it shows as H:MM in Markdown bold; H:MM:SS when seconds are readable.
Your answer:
**1:05**
